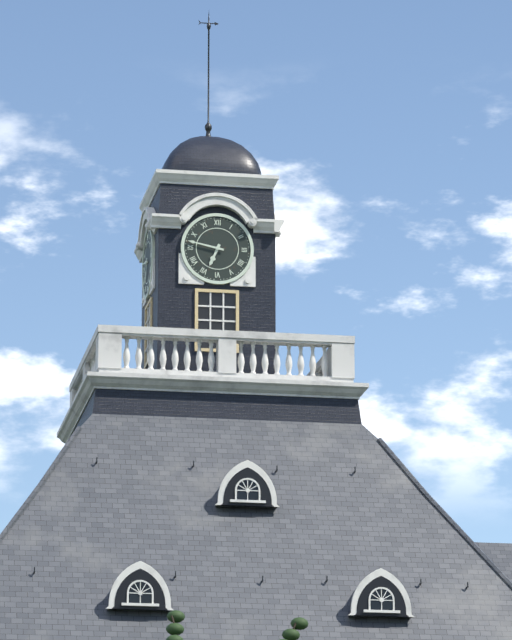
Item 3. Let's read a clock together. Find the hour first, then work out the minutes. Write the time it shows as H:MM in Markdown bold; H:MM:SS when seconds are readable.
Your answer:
**6:47**
